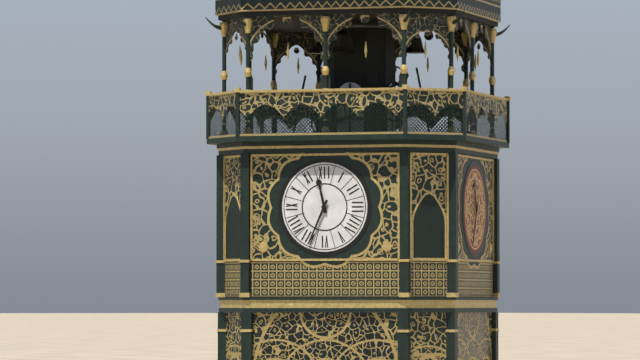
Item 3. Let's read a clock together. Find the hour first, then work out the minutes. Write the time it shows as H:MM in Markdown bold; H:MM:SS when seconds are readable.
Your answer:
**11:34**
